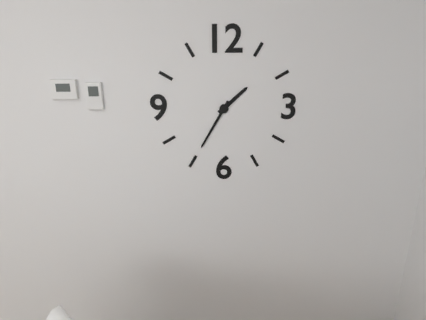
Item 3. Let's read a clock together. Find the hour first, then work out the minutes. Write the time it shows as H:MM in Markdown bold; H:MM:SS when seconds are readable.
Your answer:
**1:35**
